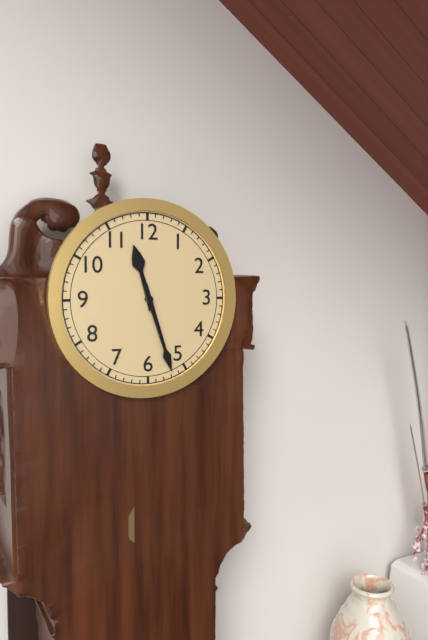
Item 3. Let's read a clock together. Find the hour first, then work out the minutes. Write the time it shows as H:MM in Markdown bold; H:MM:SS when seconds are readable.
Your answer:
**11:27**
